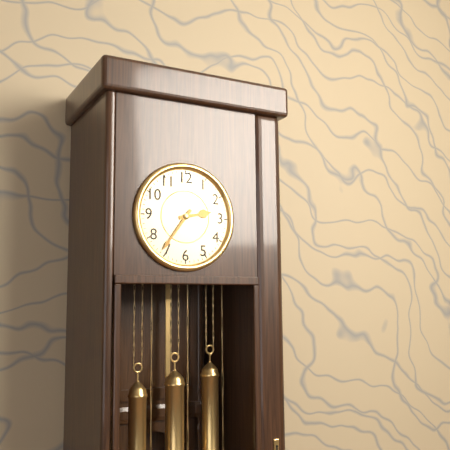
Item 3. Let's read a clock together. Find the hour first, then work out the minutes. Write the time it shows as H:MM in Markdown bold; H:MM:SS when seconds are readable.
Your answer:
**2:36**
